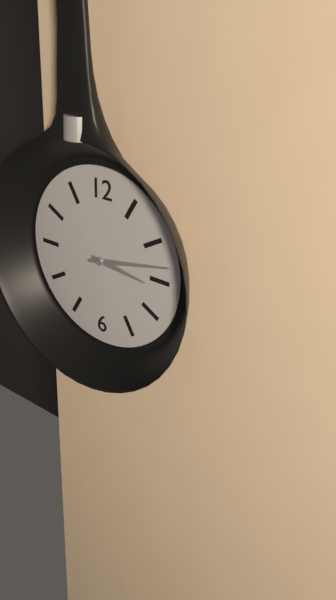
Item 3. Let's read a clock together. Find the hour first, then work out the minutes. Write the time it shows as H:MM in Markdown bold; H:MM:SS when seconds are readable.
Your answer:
**3:13**
